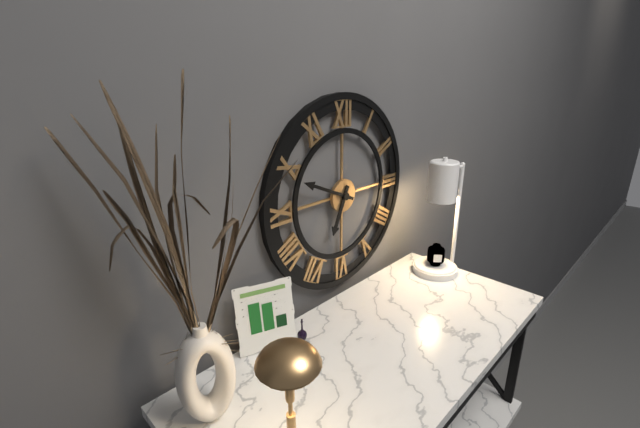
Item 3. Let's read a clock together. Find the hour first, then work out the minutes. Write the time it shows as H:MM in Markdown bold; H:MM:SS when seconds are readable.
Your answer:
**6:49**
